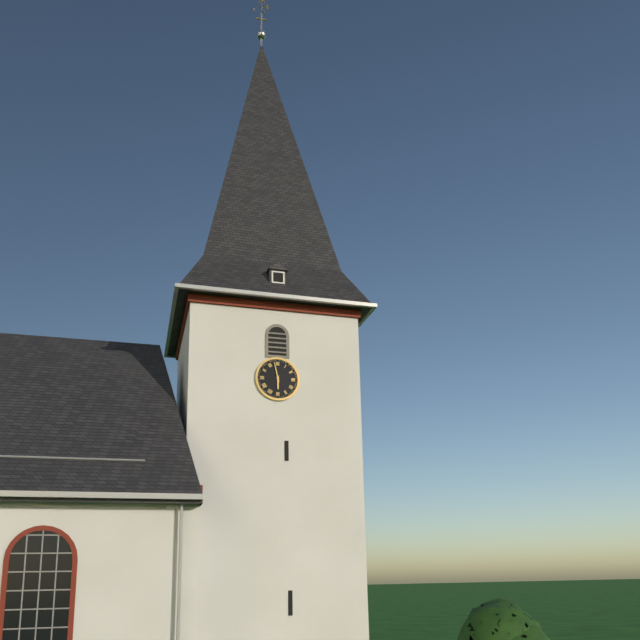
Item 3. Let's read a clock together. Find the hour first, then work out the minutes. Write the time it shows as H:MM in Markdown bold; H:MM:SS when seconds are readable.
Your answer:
**5:58**
